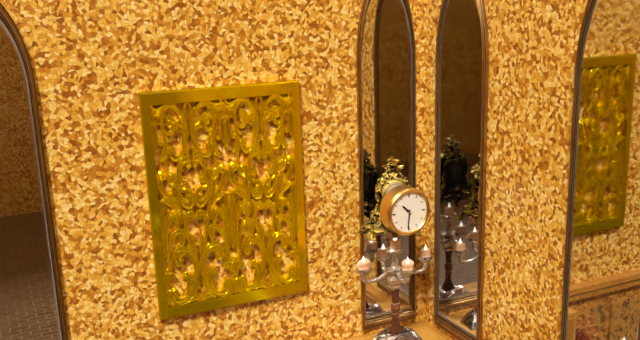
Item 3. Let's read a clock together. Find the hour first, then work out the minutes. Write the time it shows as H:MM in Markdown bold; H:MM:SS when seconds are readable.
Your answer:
**10:31**
